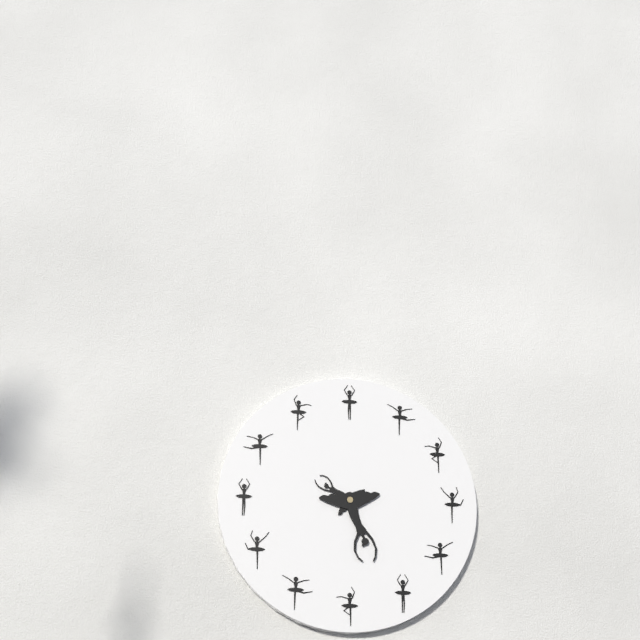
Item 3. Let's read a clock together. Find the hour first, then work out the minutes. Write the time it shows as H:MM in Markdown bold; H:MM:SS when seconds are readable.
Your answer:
**10:29**
